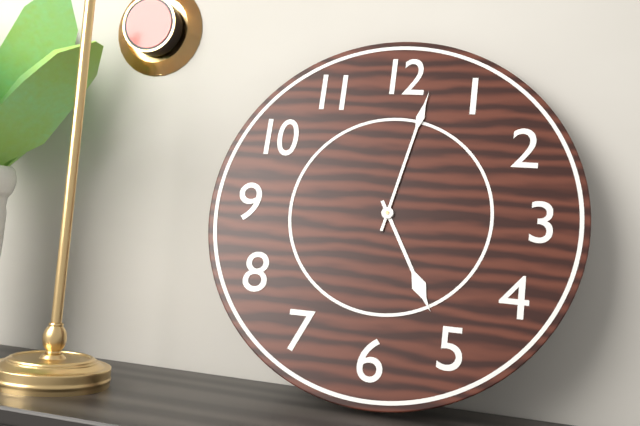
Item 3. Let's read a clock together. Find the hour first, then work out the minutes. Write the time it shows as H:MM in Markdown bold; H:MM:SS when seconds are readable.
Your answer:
**5:02**
